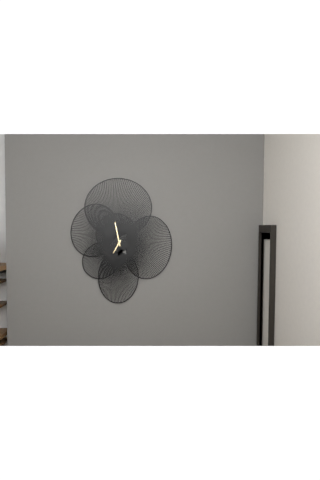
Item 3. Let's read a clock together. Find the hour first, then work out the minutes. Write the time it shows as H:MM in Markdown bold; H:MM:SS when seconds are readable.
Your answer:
**6:58**
